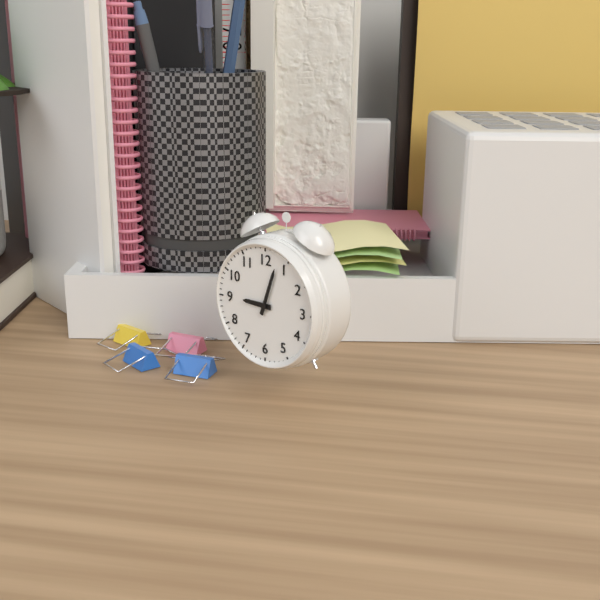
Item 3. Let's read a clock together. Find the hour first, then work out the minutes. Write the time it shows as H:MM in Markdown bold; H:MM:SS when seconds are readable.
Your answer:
**9:03**
